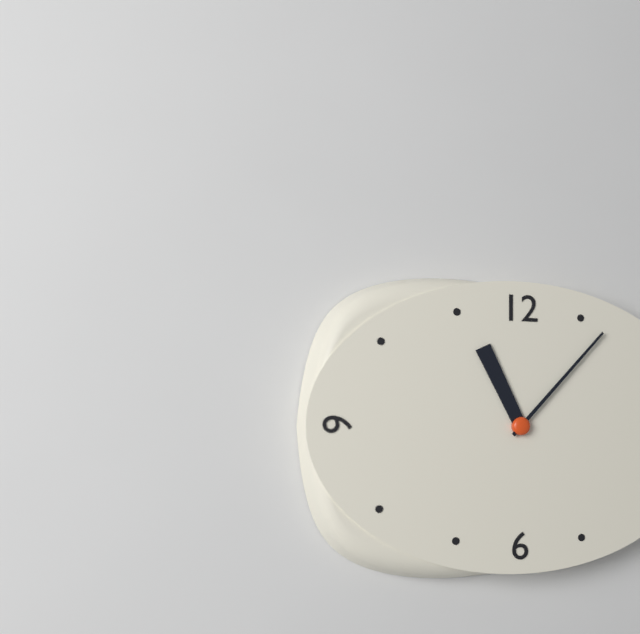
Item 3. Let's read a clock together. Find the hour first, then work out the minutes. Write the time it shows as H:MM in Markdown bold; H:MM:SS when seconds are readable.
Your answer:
**11:07**
